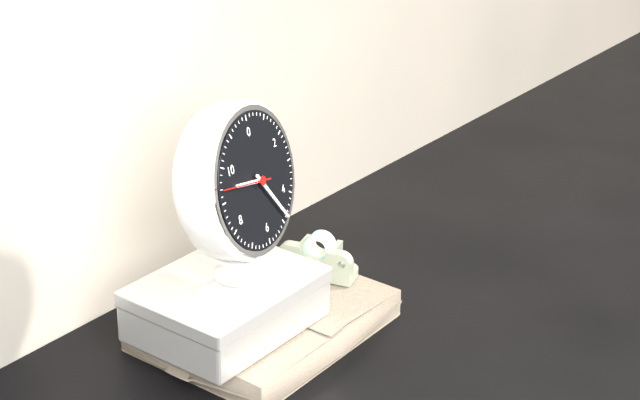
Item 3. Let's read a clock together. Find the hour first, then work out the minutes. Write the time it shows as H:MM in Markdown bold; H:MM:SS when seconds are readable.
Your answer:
**9:24**
